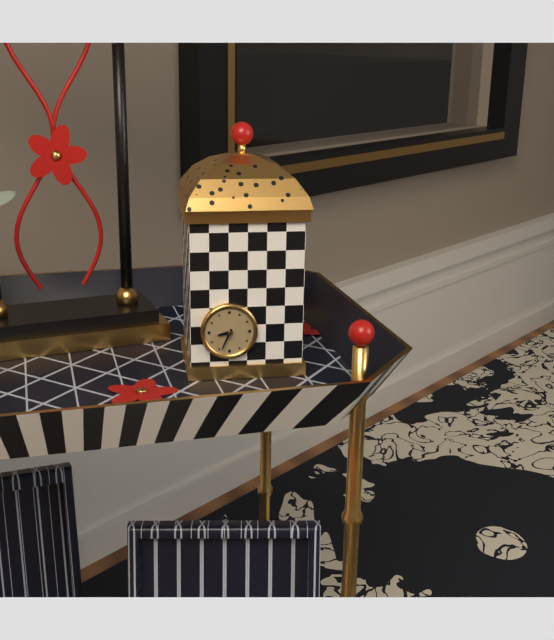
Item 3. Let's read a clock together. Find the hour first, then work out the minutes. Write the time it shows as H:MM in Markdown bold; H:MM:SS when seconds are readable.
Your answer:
**8:34**
